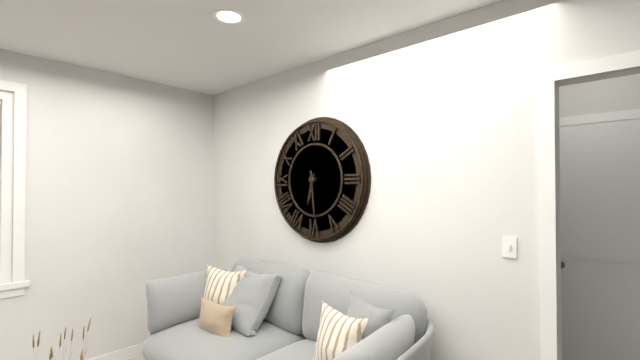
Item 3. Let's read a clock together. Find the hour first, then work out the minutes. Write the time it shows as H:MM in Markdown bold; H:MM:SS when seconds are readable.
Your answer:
**6:29**
